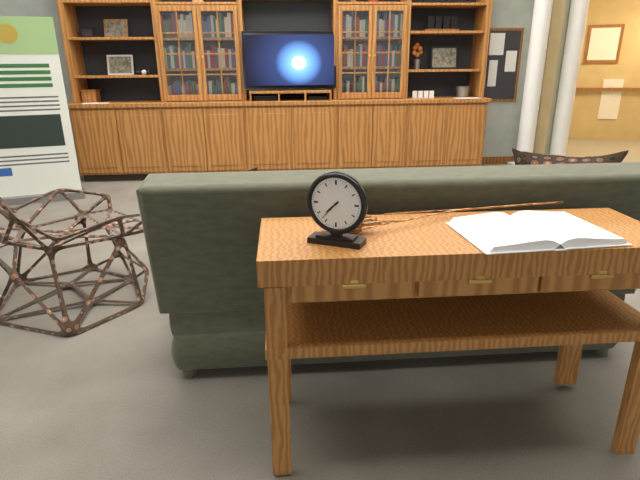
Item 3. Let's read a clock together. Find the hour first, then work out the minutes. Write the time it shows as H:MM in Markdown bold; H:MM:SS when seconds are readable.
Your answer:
**7:37**
